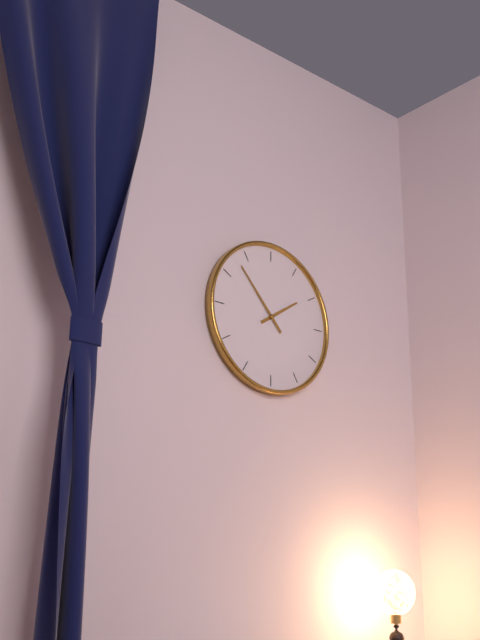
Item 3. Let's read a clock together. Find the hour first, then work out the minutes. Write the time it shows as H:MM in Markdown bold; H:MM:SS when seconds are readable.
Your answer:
**1:53**
